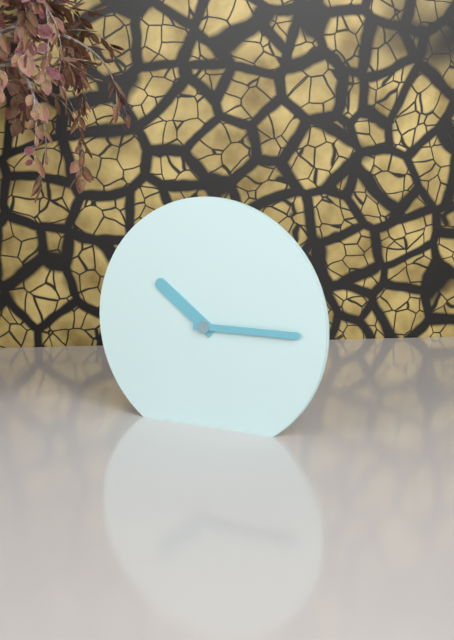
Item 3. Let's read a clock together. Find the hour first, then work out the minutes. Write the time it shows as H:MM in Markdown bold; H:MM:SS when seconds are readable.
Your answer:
**10:15**
